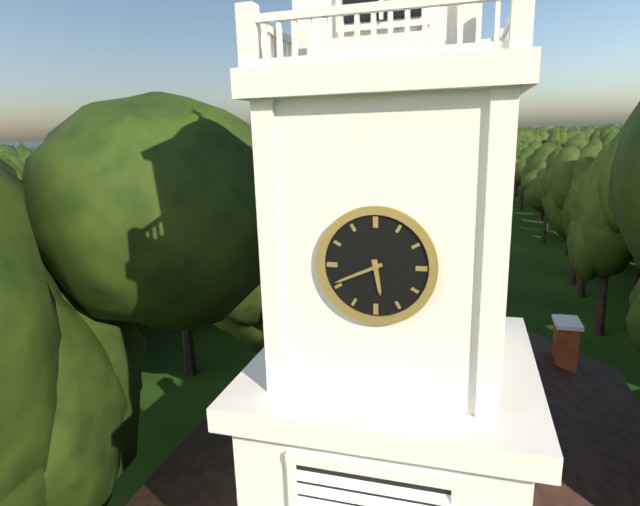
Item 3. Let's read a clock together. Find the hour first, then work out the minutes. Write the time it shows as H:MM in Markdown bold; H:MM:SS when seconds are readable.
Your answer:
**5:41**
